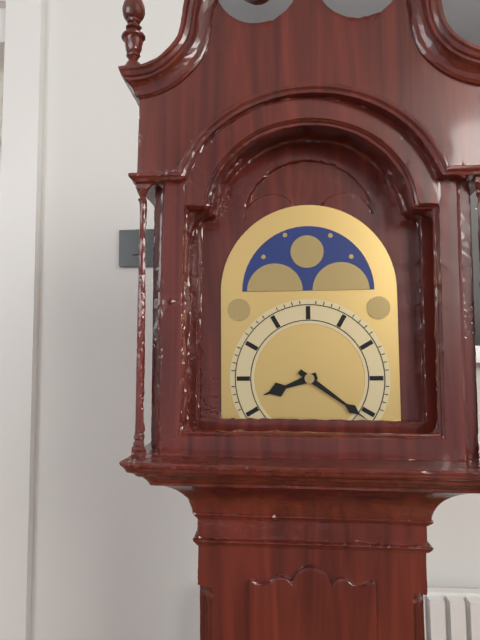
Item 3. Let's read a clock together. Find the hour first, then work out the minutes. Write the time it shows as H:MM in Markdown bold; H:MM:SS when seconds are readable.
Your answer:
**8:21**
